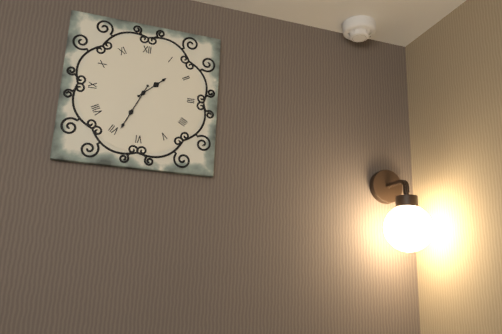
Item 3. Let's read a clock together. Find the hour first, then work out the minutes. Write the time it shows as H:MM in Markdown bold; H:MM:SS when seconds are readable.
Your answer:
**1:34**
